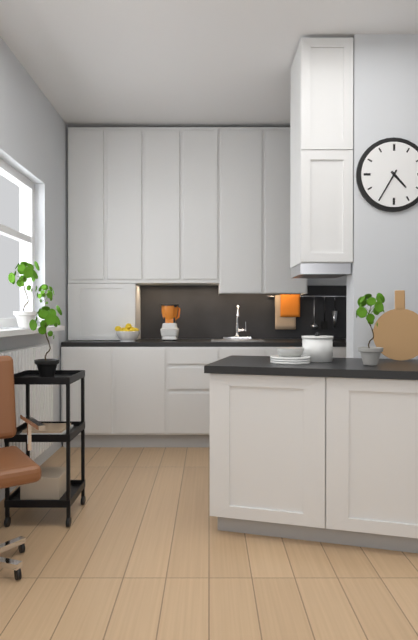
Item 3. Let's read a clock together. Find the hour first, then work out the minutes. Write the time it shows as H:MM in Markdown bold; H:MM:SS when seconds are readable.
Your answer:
**4:35**
